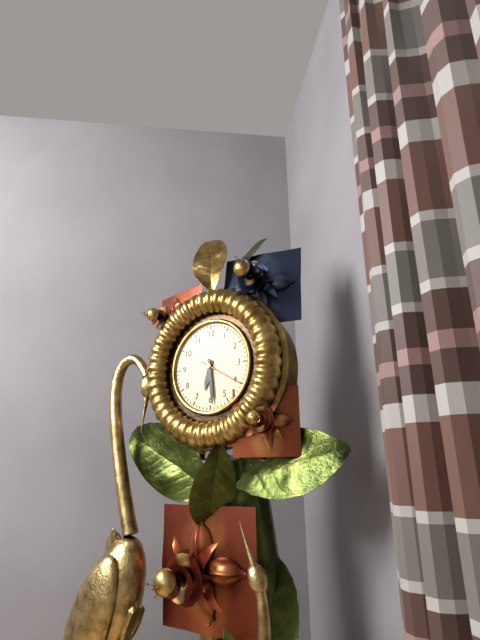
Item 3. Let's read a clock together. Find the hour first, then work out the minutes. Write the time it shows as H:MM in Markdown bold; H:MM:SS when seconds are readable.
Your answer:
**6:29**
